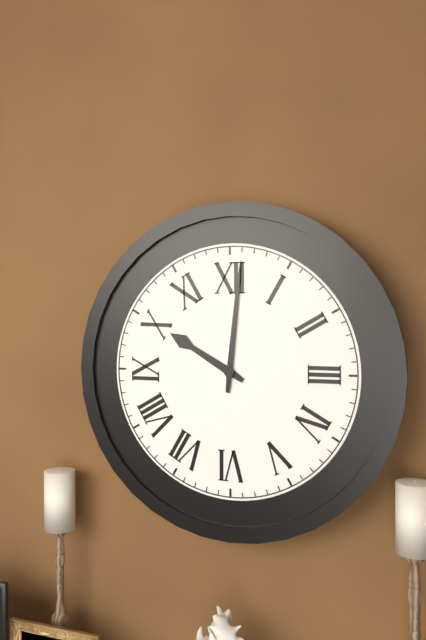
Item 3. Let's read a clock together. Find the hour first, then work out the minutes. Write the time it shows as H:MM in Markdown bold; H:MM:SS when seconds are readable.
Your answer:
**10:01**
